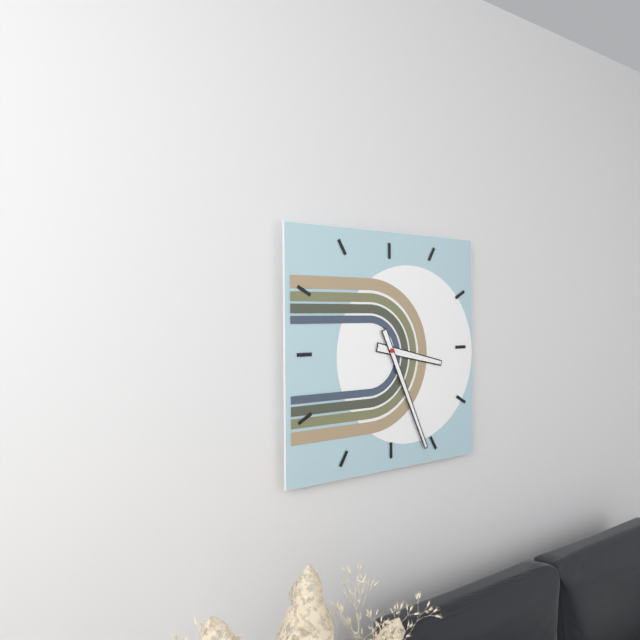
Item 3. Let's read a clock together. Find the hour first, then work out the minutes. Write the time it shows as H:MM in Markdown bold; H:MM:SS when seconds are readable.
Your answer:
**3:26**
